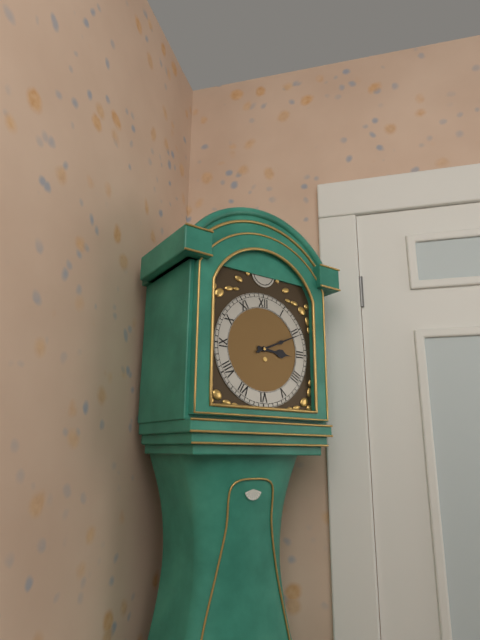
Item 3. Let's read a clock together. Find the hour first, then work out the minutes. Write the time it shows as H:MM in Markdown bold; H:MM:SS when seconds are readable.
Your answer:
**3:11**
